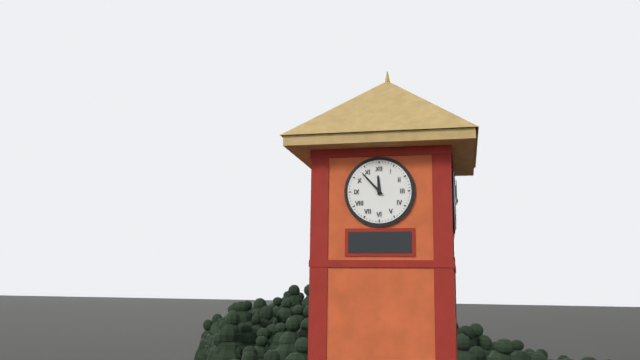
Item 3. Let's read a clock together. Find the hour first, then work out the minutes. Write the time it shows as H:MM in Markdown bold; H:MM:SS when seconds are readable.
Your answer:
**11:53**
